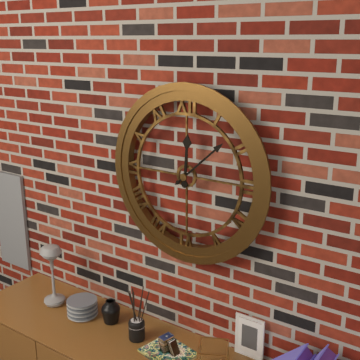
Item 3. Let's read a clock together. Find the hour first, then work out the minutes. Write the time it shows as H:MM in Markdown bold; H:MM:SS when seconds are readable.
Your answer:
**12:08**
